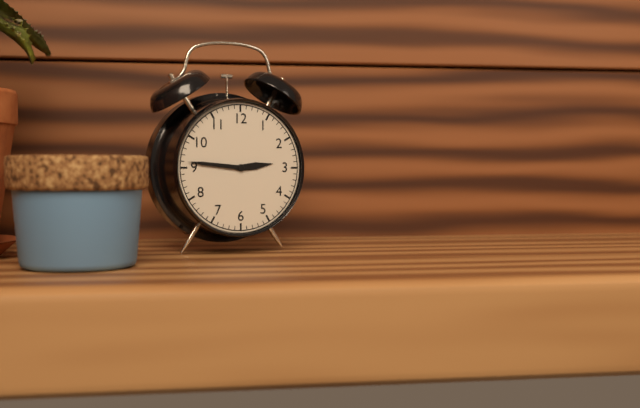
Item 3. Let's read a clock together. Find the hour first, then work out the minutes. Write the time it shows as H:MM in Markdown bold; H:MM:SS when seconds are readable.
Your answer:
**2:46**
